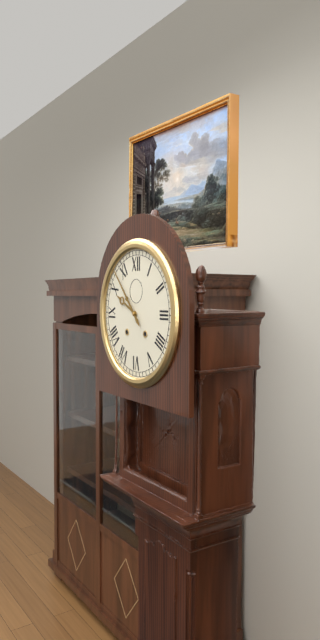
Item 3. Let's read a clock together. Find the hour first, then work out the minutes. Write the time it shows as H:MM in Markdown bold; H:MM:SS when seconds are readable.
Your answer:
**9:53**
